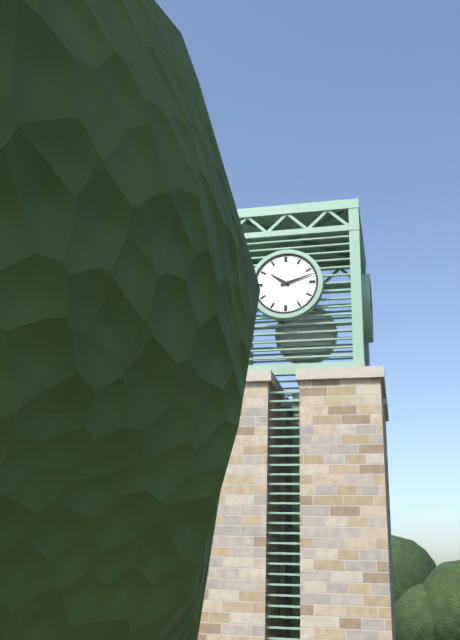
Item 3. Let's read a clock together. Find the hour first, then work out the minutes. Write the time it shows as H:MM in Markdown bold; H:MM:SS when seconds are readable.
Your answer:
**10:12**
